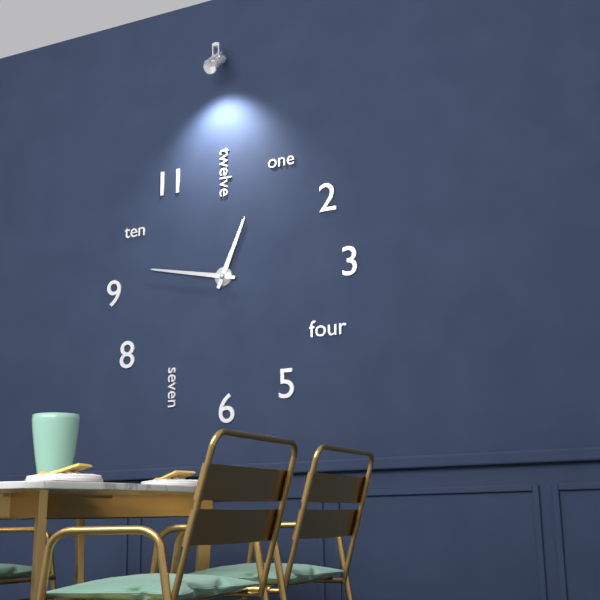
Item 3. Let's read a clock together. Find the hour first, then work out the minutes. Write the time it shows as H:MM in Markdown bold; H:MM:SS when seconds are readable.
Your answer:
**12:47**
